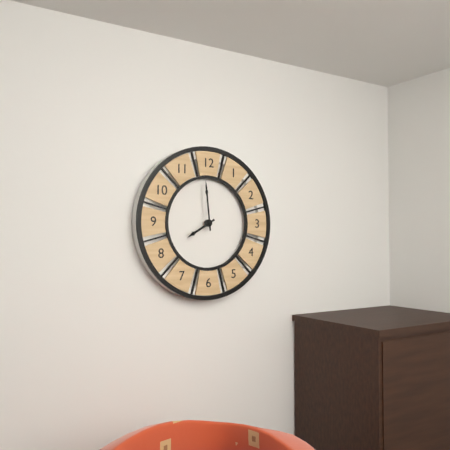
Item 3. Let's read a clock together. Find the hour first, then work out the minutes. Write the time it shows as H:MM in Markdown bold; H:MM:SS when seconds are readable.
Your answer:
**7:59**
